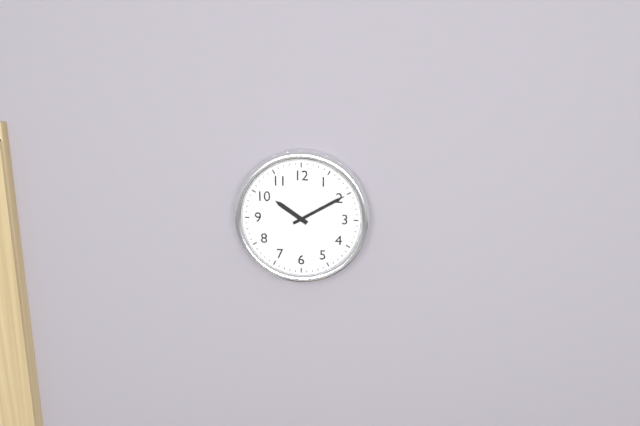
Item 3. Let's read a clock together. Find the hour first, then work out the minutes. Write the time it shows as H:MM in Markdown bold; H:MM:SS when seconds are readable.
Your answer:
**10:10**
